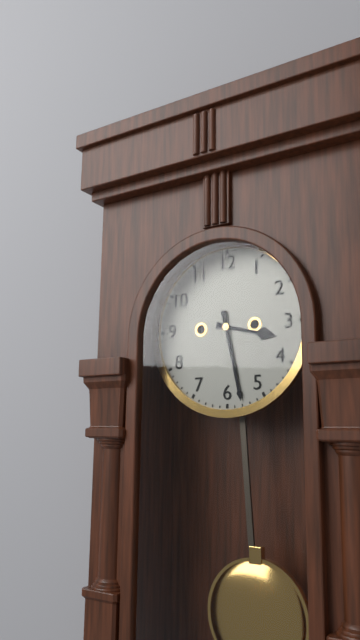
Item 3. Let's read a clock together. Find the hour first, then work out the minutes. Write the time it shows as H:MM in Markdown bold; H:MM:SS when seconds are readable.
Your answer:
**3:28**
